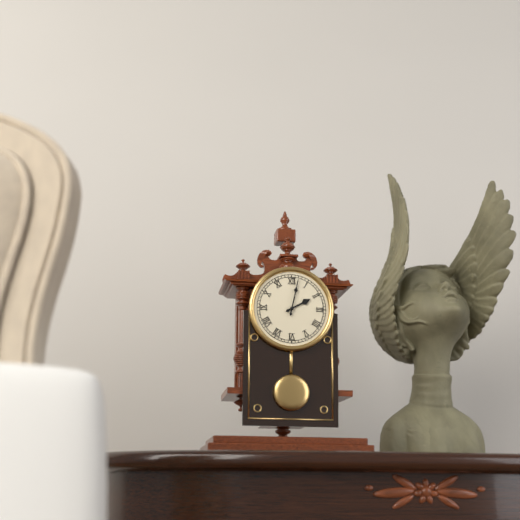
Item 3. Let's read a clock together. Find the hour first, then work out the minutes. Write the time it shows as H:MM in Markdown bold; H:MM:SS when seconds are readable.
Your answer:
**2:02**
